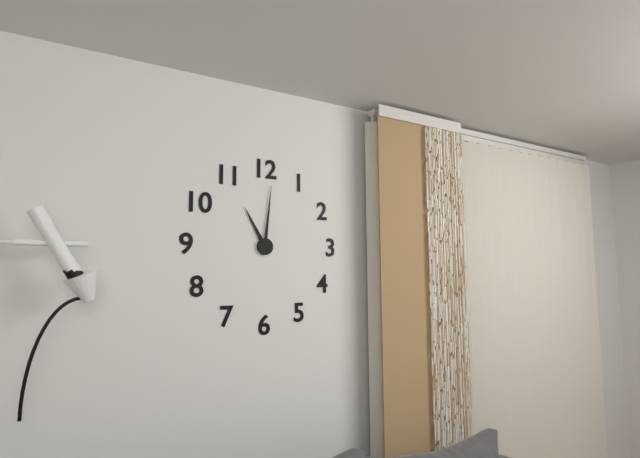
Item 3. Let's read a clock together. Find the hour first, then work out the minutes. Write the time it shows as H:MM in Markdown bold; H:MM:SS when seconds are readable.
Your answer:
**11:01**
